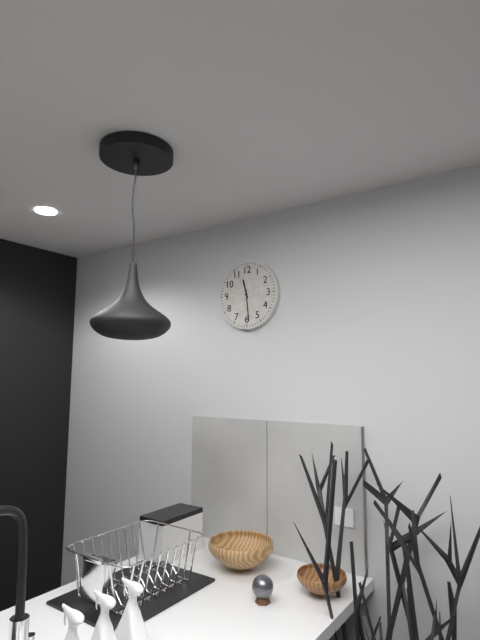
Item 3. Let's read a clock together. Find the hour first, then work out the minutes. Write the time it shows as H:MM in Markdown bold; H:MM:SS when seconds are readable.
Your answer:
**11:29**
